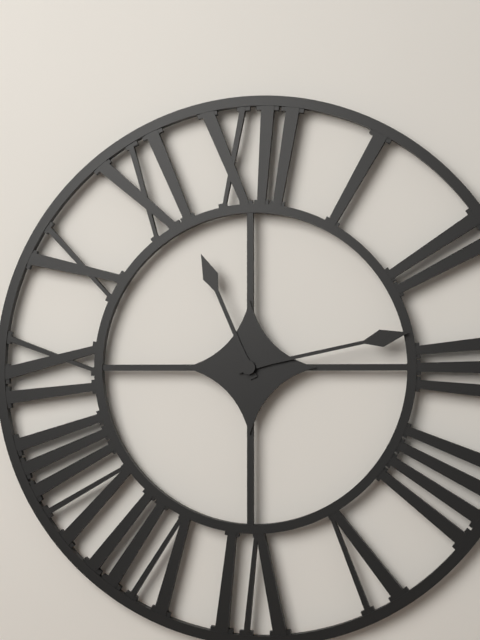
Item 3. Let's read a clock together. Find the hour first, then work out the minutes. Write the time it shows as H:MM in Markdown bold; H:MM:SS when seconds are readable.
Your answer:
**11:13**
